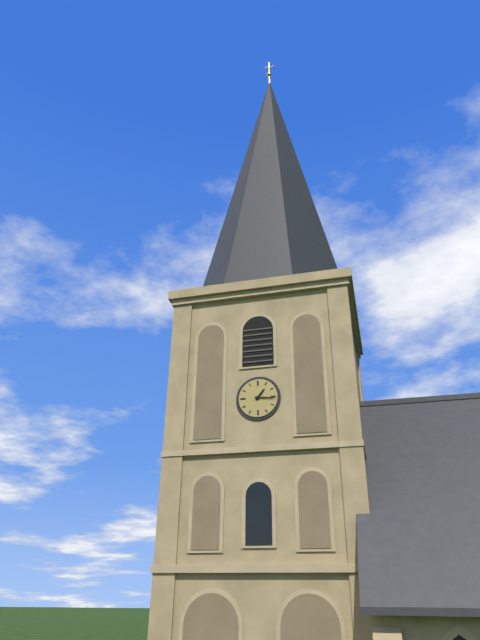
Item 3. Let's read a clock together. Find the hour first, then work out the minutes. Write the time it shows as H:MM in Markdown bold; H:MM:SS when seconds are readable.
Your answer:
**1:16**
